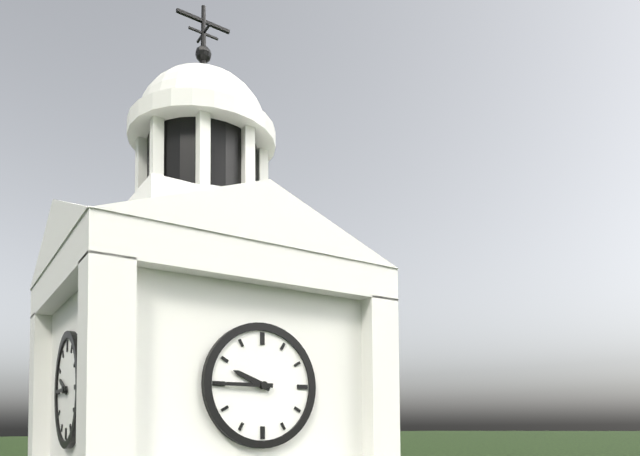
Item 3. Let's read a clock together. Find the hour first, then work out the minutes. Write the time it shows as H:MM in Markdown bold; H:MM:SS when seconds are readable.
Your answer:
**9:45**
